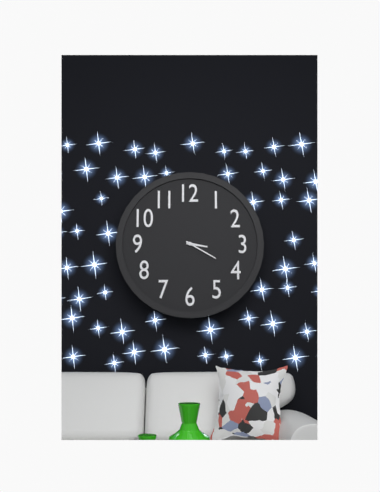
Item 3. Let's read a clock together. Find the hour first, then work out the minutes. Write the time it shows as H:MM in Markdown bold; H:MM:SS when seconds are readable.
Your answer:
**3:20**
